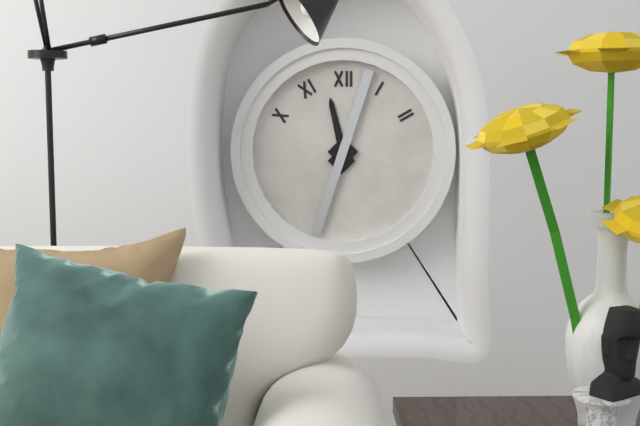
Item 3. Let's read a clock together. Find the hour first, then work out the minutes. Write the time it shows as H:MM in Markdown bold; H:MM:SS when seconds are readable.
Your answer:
**11:33**
